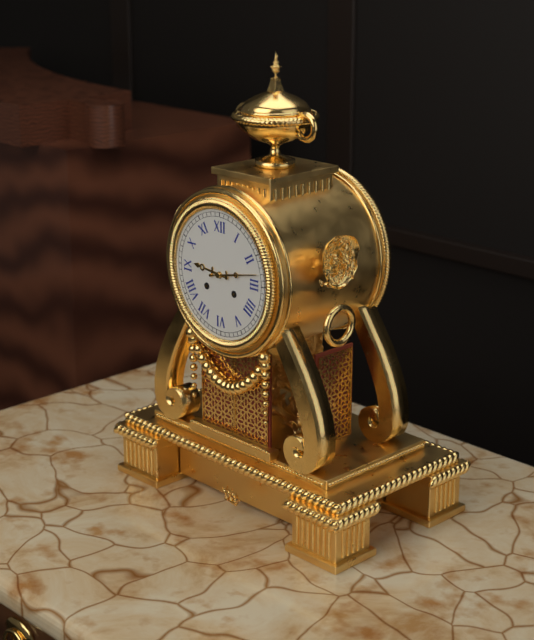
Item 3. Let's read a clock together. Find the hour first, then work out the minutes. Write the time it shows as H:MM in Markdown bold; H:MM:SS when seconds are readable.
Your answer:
**9:13**
